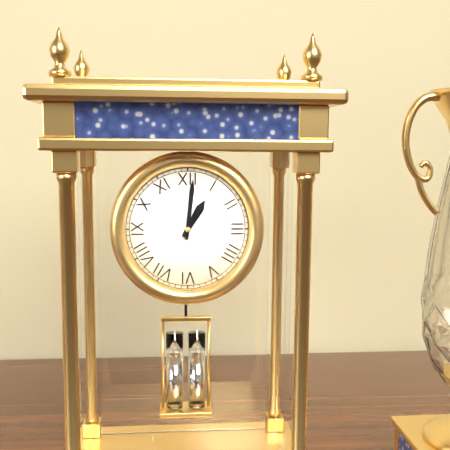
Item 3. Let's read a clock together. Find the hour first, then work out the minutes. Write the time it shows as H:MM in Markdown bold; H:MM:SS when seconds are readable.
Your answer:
**1:01**
